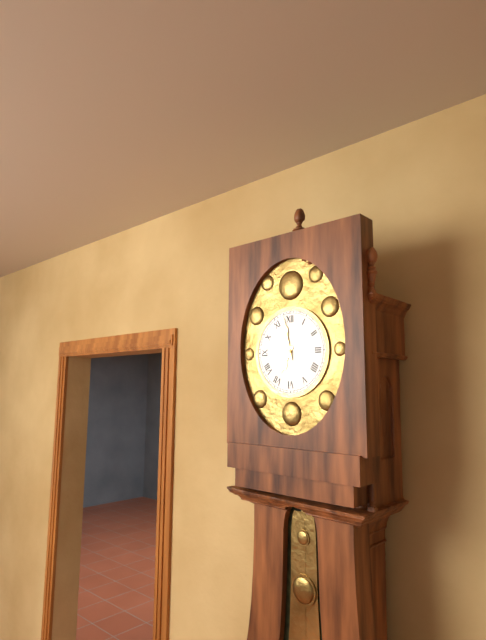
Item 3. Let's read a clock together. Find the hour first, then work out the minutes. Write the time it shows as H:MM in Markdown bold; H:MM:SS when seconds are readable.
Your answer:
**6:58**
